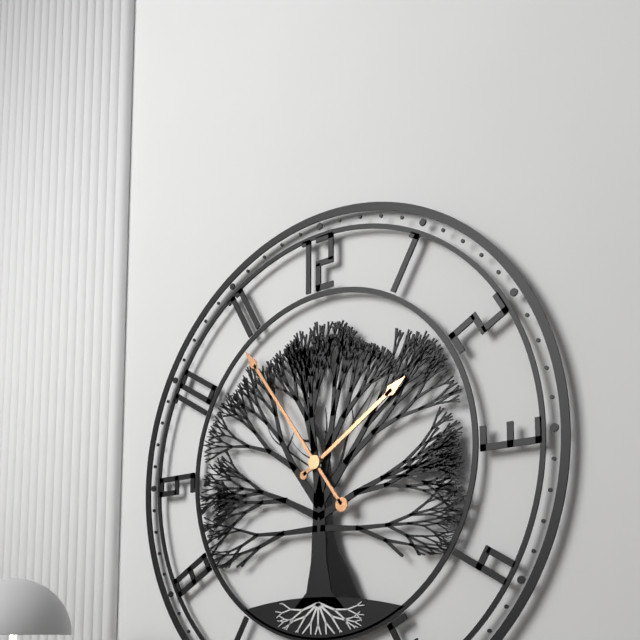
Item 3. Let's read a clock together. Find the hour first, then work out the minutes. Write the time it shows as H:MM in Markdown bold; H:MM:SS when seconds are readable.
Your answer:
**1:54**
